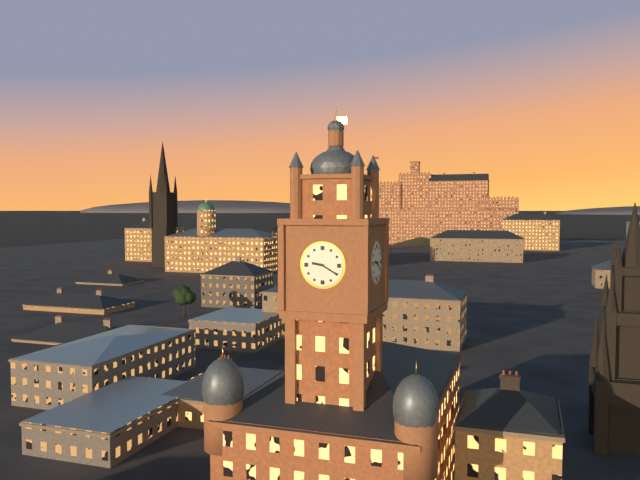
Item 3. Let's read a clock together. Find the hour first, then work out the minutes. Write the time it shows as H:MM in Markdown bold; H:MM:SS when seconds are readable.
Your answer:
**9:20**
